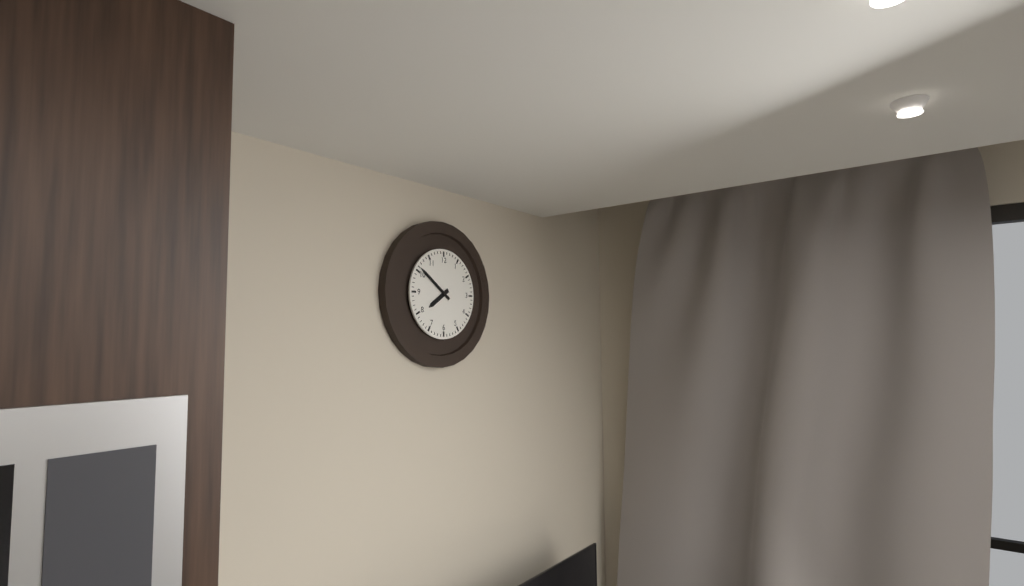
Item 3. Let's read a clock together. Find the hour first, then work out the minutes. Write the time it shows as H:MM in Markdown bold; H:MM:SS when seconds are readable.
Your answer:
**7:51**
